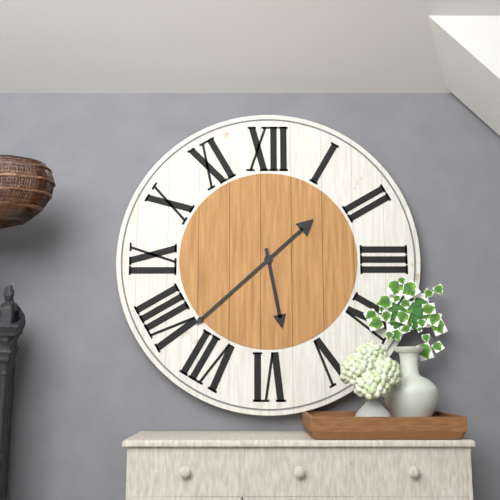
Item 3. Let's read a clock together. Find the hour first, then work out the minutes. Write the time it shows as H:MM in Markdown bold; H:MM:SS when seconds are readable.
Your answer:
**5:38**
